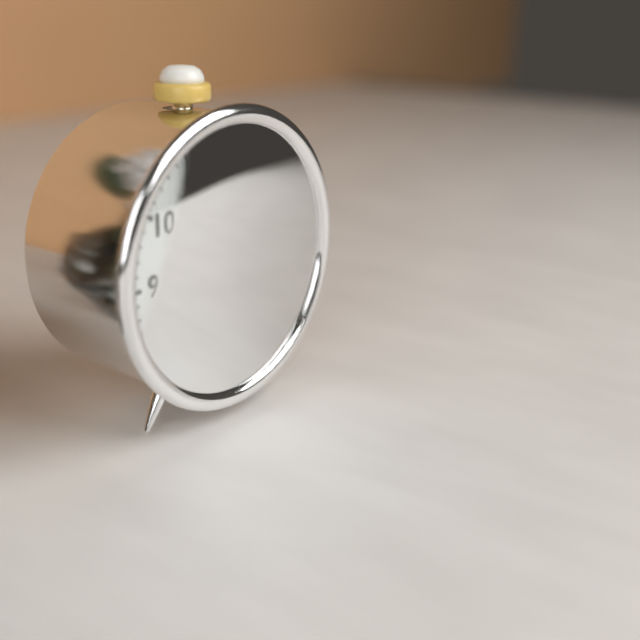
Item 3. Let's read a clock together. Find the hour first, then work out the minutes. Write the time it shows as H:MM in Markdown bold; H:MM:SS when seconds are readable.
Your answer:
**4:12**
